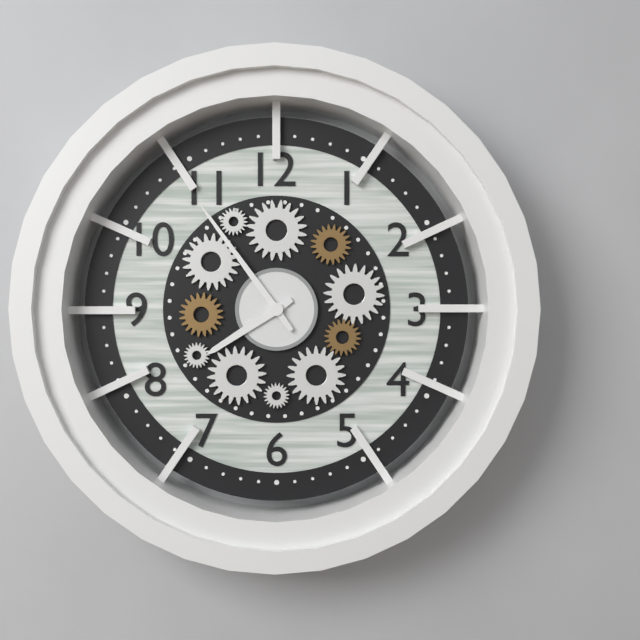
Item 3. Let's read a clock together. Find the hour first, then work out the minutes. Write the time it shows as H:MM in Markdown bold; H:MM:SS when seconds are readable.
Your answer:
**7:54**
